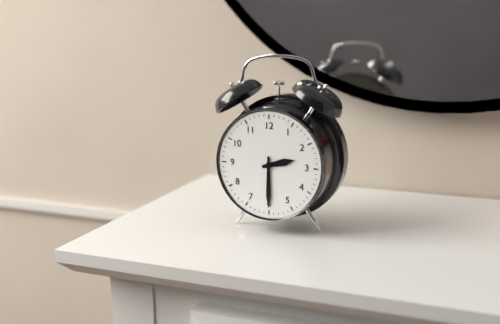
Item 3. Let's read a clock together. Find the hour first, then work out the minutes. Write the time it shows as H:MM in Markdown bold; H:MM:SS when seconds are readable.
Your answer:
**2:30**
